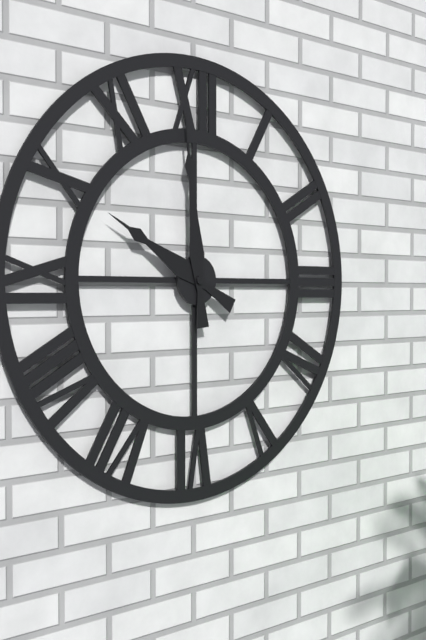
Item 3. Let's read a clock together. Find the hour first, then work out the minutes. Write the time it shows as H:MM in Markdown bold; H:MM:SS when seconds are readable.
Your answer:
**9:59**
